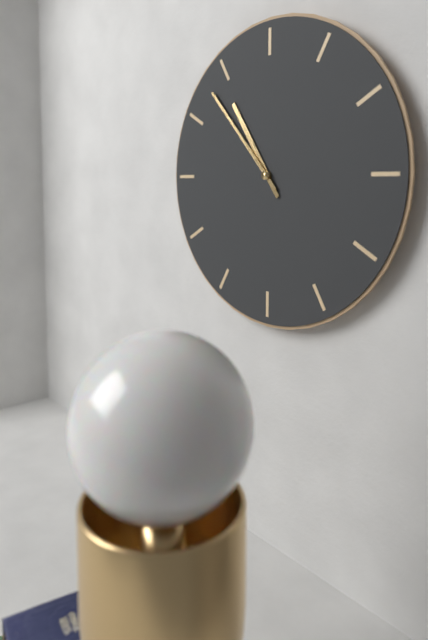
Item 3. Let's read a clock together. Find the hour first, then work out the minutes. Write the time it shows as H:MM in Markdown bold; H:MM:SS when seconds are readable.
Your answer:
**10:53**
